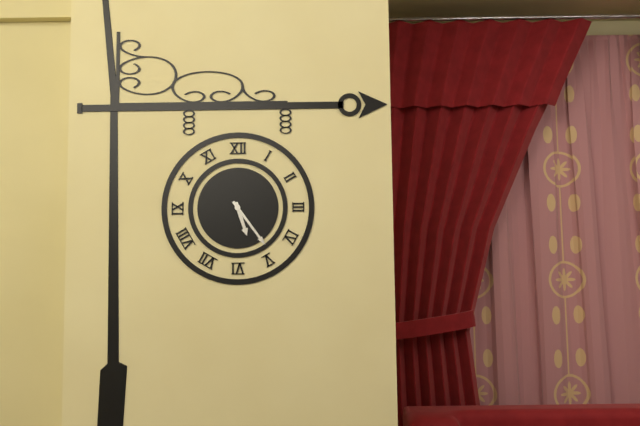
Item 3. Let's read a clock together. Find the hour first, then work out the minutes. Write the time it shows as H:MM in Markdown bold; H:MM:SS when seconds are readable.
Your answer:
**5:24**
